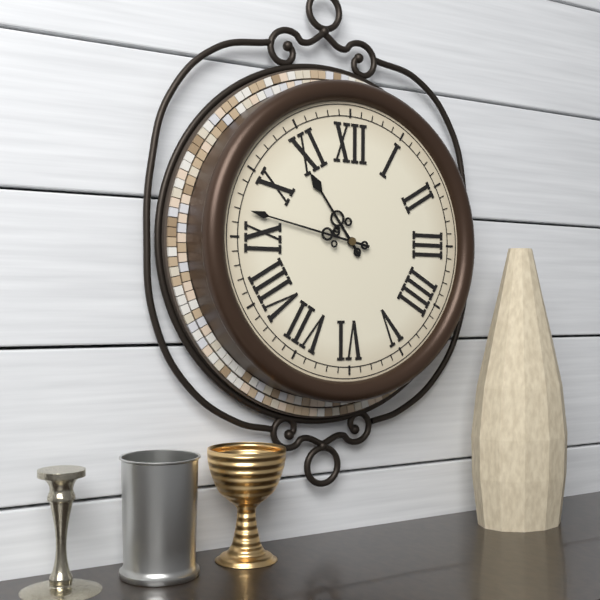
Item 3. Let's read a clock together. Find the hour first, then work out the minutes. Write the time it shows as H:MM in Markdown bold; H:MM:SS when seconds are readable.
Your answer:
**10:47**
